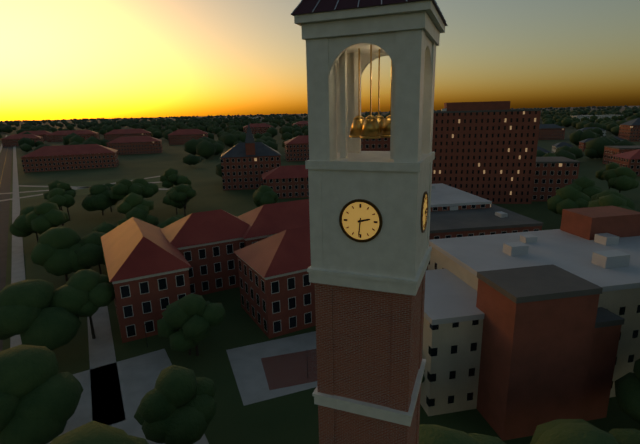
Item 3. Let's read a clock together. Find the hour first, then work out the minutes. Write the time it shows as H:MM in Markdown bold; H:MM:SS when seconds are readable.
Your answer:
**2:31**
